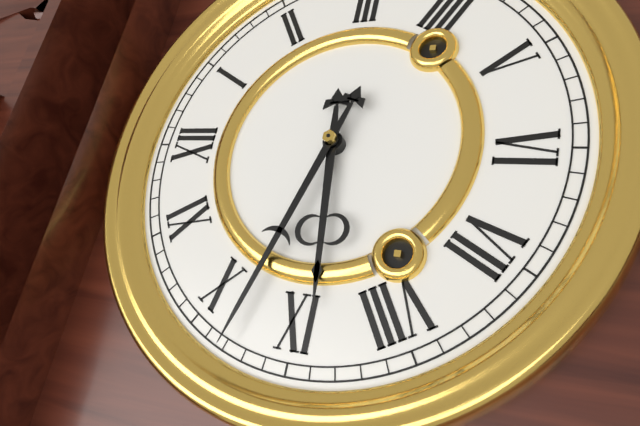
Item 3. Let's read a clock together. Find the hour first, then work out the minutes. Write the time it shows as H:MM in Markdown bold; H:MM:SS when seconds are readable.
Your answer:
**8:48**
